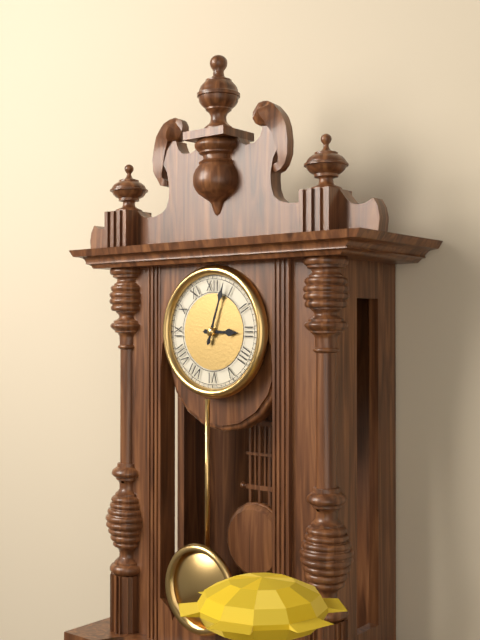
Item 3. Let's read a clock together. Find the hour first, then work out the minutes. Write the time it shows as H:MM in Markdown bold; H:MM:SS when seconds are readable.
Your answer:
**3:03**
